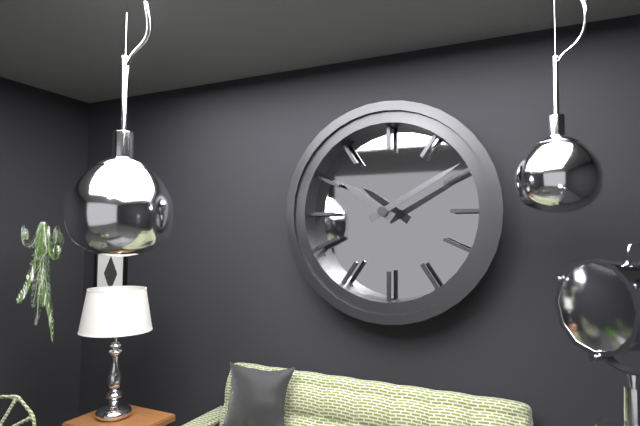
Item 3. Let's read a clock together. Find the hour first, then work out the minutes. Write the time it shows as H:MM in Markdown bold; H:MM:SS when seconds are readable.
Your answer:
**10:10**
